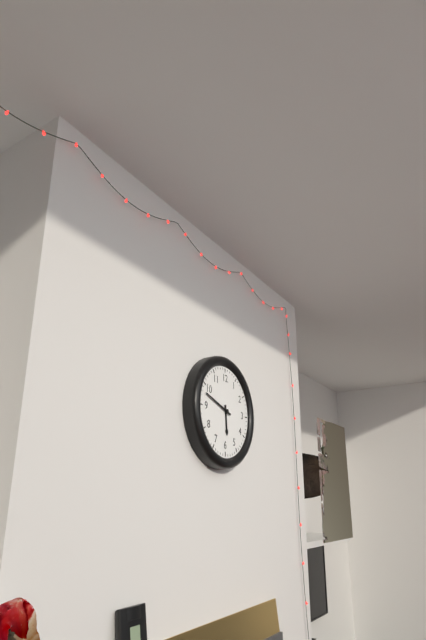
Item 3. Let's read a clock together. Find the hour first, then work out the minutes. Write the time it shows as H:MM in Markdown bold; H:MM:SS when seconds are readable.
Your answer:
**5:48**
